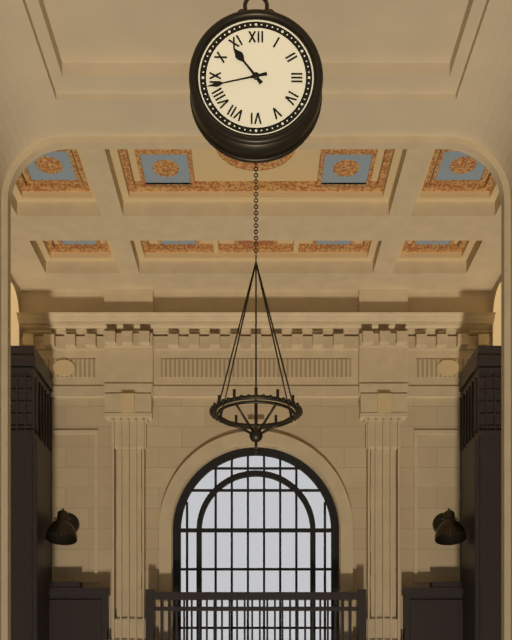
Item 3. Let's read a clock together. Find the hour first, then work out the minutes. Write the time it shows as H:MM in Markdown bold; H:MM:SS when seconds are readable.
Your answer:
**10:43**
